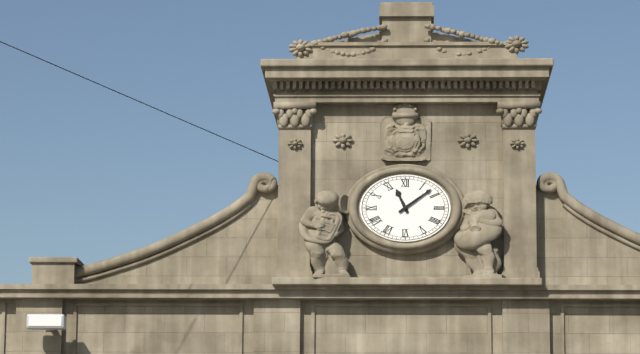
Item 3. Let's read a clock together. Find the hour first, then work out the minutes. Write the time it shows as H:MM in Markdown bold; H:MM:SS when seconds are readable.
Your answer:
**11:09**
